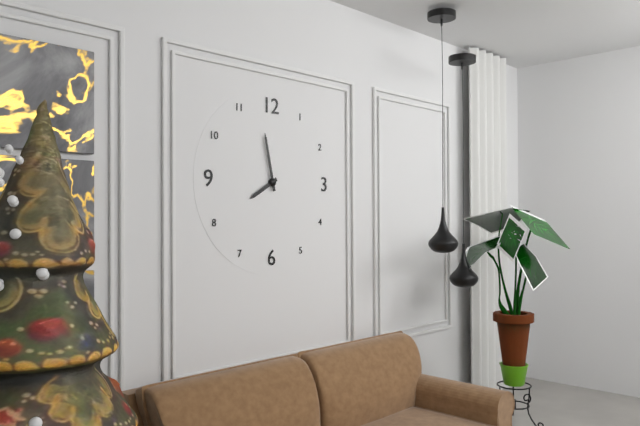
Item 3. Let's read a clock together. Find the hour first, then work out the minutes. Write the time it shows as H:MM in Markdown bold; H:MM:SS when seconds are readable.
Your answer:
**7:58**
